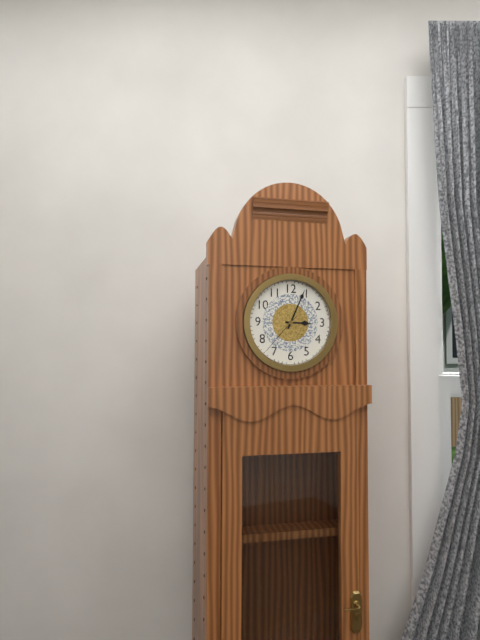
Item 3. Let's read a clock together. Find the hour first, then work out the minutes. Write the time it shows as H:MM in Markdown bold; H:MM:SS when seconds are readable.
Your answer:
**3:04**
